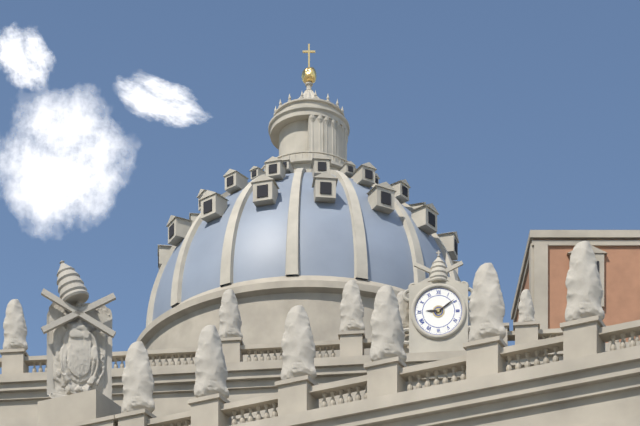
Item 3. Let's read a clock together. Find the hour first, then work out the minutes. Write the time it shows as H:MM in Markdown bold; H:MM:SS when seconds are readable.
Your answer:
**9:09**
